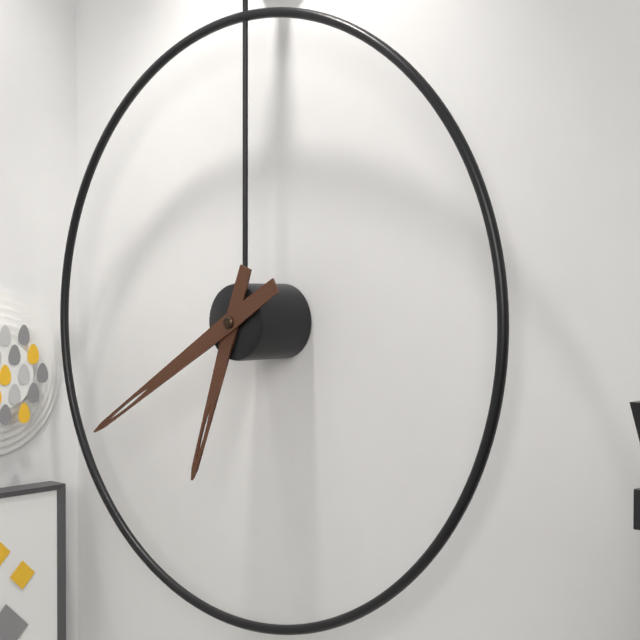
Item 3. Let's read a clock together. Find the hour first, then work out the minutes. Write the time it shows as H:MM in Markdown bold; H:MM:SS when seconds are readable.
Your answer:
**6:40**
